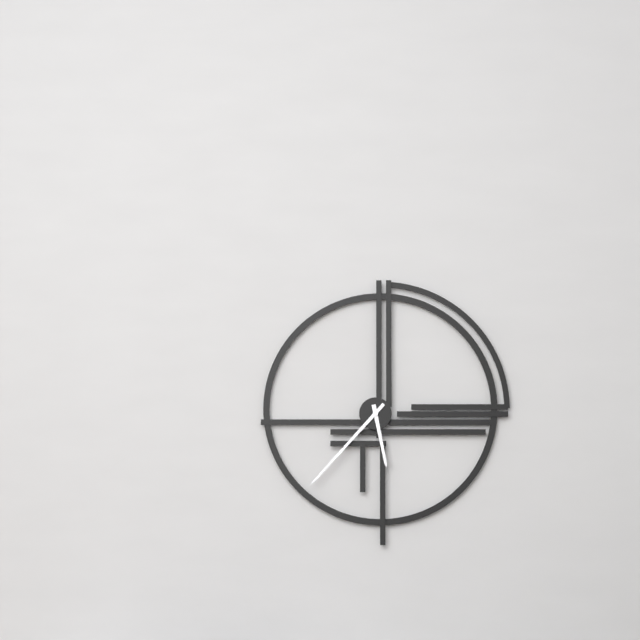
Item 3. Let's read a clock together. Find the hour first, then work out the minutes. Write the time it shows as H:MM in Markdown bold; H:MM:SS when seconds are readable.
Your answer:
**5:37**
